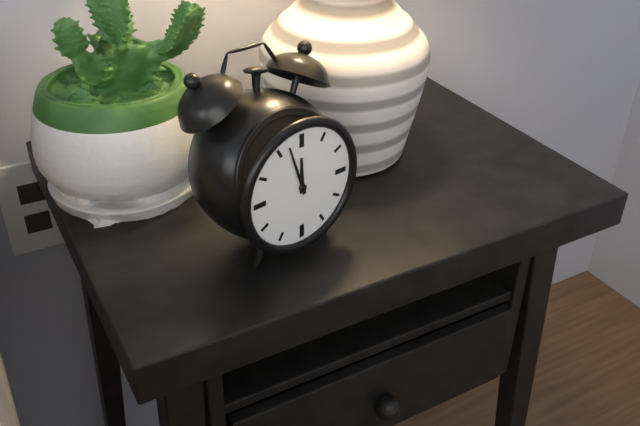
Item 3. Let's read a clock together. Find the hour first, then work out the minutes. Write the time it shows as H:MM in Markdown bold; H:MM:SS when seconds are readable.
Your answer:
**11:57**
